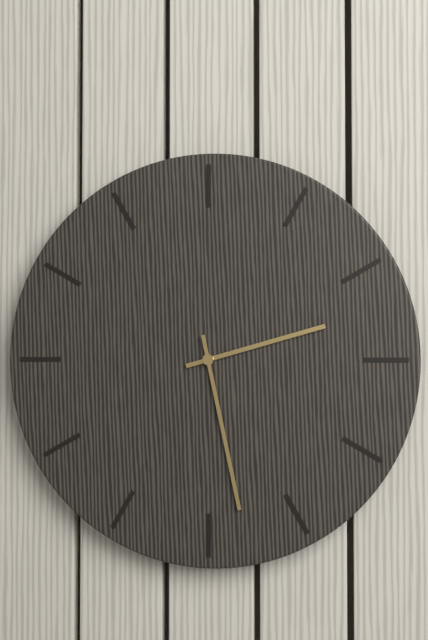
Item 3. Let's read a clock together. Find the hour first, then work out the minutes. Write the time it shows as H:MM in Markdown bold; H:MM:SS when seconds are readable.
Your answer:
**2:28**
